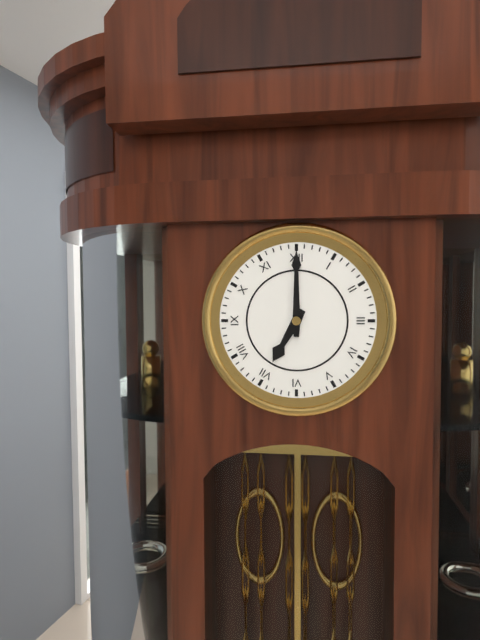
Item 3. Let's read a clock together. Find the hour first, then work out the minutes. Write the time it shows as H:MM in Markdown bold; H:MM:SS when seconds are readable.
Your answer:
**7:00**
